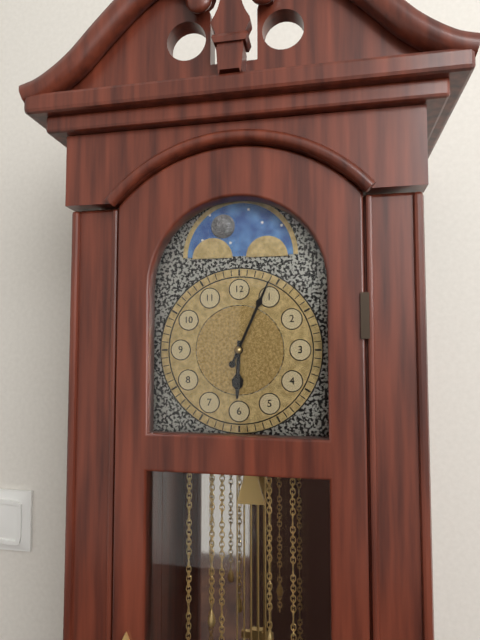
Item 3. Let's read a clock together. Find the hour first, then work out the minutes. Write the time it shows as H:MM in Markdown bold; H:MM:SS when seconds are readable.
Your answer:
**6:04**
